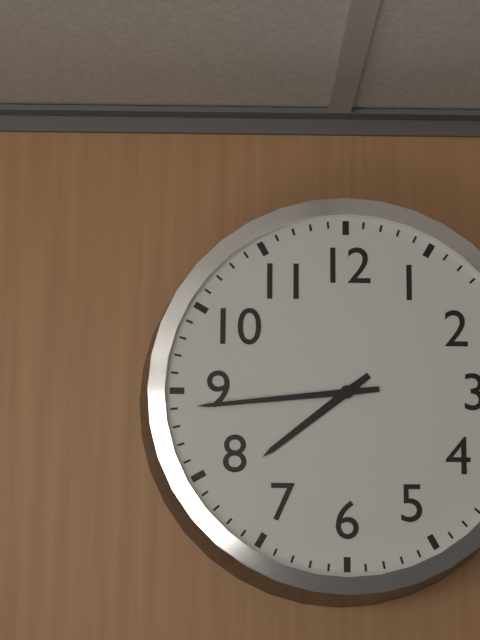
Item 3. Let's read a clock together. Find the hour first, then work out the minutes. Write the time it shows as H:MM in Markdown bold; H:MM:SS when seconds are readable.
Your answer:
**7:44**
